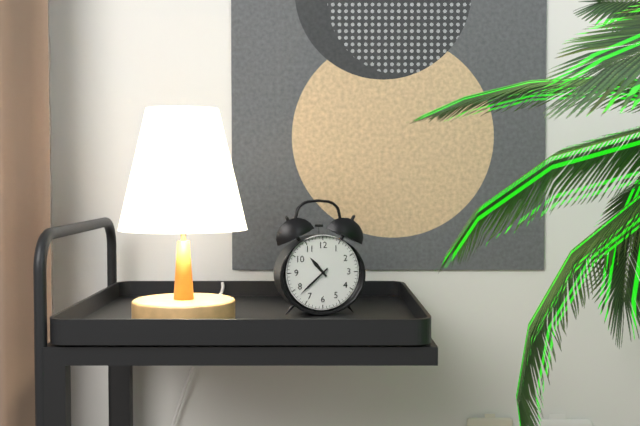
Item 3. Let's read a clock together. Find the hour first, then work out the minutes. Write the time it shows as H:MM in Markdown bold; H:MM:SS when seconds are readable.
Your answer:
**10:38**
